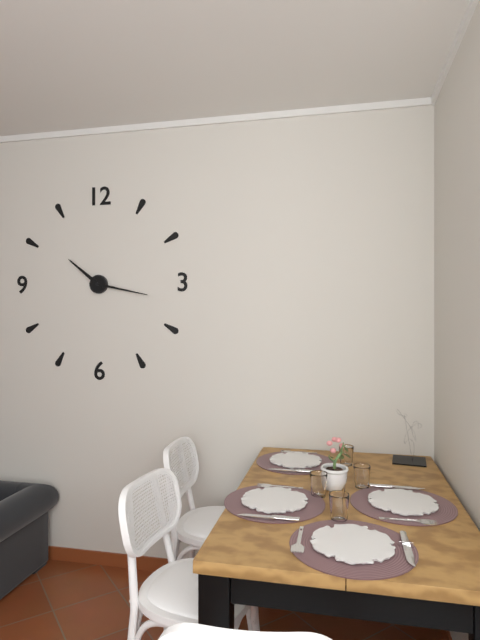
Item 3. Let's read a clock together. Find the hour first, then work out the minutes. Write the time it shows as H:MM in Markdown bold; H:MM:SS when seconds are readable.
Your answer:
**10:17**
